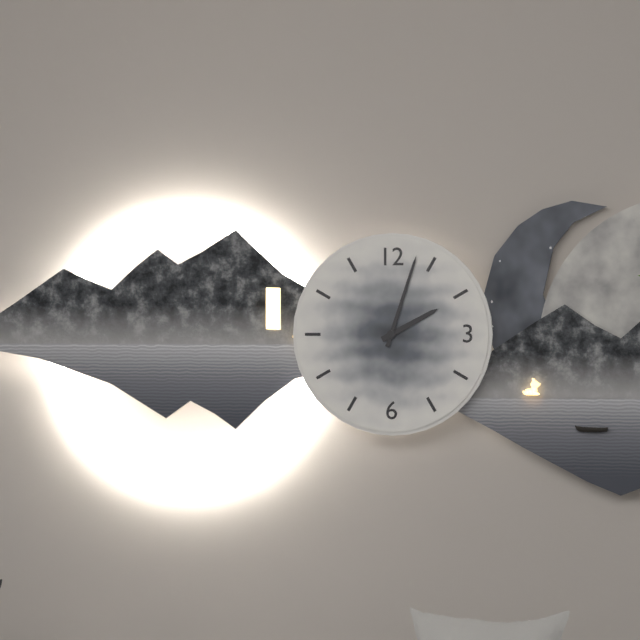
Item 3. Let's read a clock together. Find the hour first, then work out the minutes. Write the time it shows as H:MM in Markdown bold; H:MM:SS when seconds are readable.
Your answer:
**2:03**
